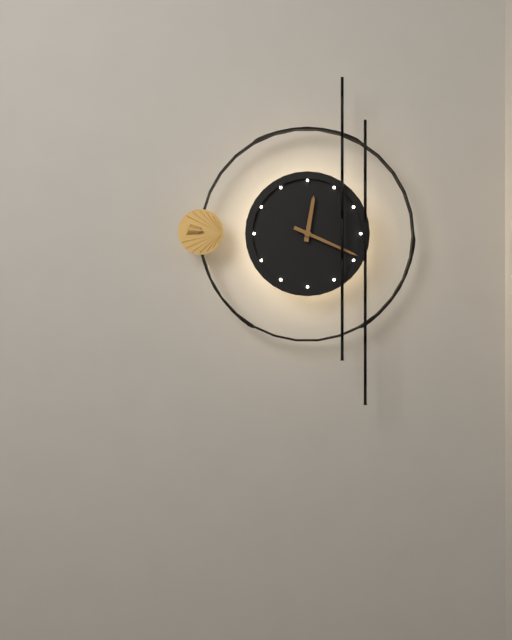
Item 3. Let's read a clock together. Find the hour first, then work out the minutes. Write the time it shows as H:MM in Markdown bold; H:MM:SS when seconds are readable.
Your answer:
**12:19**
